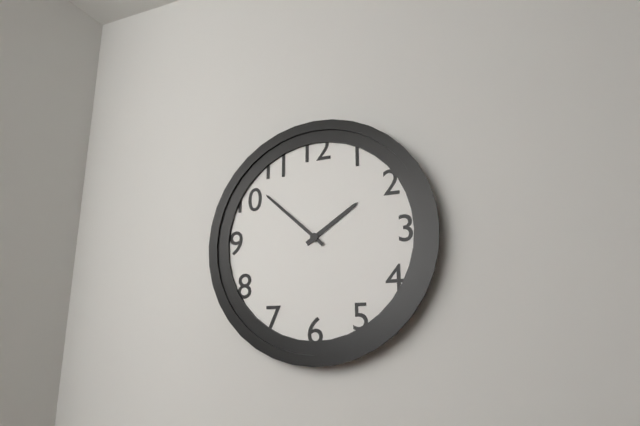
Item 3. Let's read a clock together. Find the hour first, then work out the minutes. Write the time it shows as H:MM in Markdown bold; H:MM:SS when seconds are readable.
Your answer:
**1:52**
